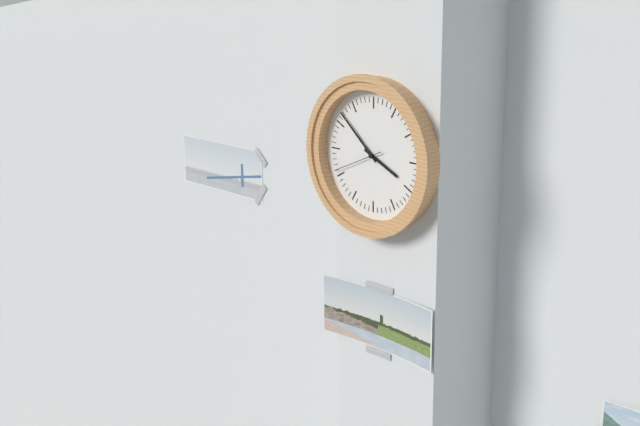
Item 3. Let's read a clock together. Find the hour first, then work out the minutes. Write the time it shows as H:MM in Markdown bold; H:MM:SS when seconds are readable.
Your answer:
**3:52**
